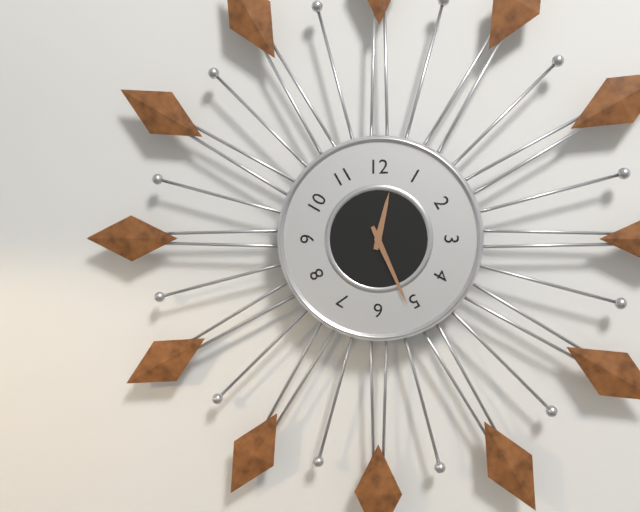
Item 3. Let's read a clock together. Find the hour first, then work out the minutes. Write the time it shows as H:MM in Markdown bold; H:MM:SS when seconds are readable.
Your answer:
**12:26**
